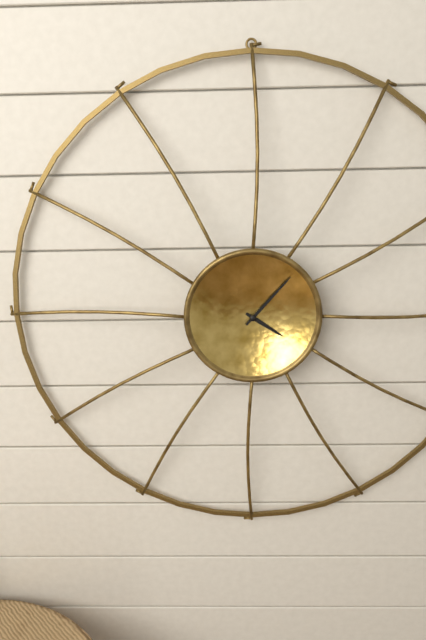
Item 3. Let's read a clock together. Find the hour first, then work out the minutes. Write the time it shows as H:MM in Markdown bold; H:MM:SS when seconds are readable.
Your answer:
**4:07**
